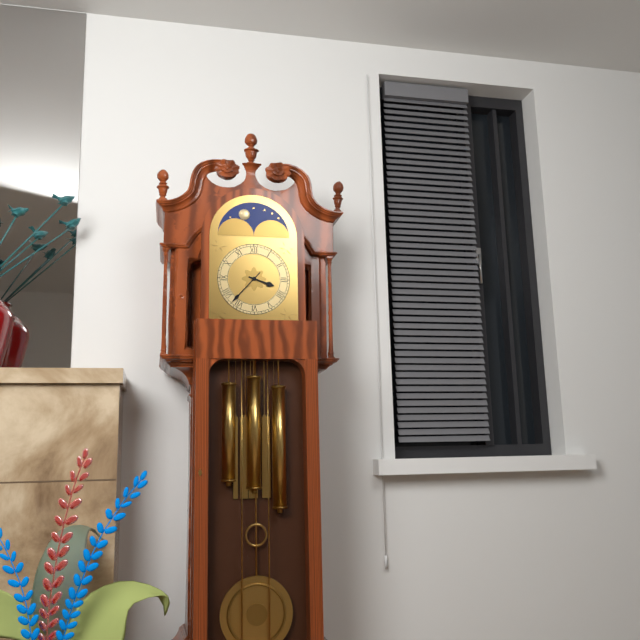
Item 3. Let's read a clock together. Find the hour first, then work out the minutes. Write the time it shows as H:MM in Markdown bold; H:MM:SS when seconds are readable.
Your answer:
**3:37**
